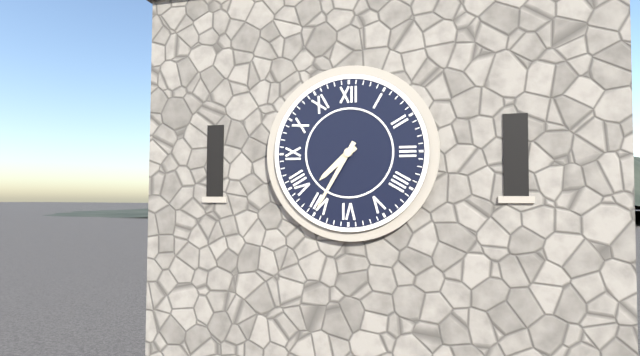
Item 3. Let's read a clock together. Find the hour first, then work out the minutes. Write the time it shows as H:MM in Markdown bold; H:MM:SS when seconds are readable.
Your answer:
**7:35**
